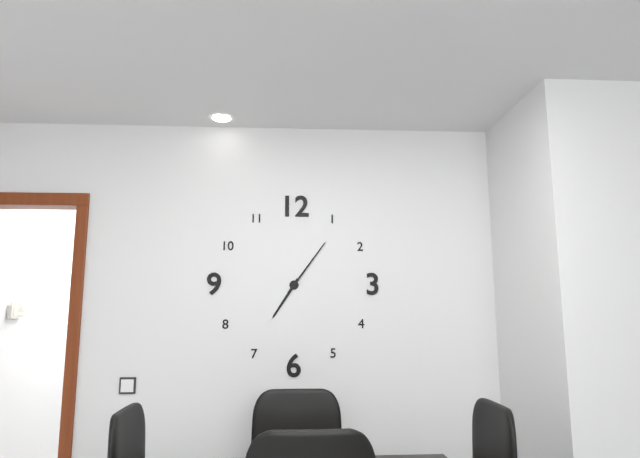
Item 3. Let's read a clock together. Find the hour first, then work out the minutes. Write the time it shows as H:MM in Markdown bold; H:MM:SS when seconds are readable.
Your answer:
**7:06**
